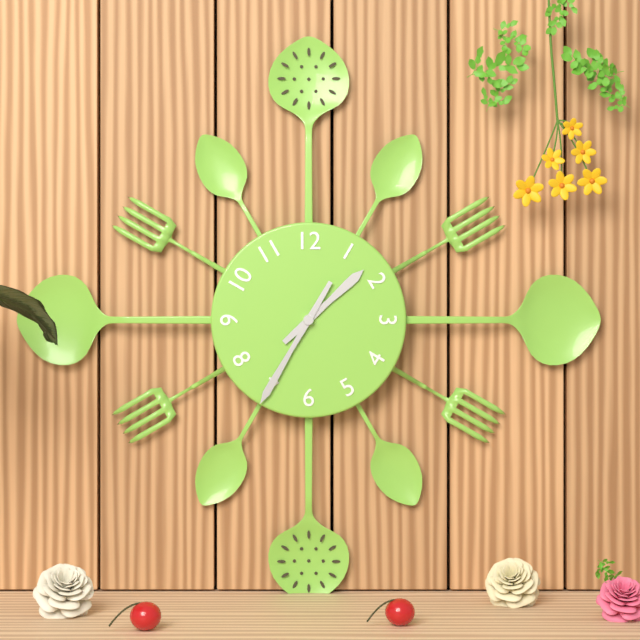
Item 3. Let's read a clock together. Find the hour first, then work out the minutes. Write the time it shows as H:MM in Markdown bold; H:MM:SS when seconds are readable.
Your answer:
**1:35**
